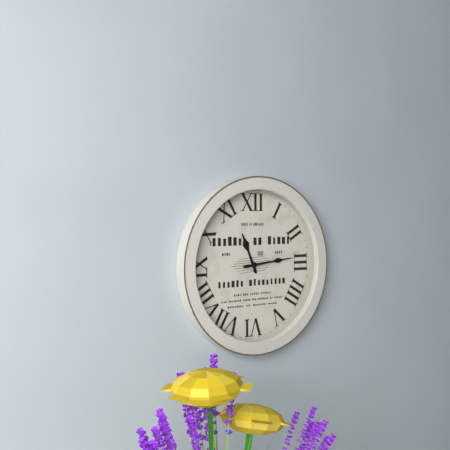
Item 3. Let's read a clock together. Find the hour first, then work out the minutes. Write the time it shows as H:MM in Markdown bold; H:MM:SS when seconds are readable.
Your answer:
**11:14**
